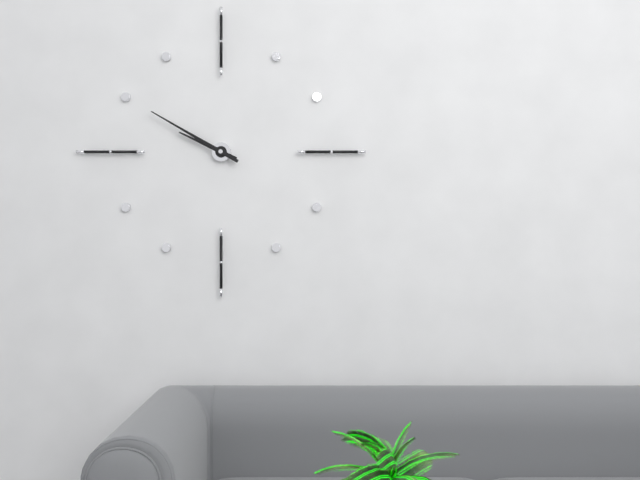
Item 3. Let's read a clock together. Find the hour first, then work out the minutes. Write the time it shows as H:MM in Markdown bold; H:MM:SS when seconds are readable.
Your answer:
**9:50**
